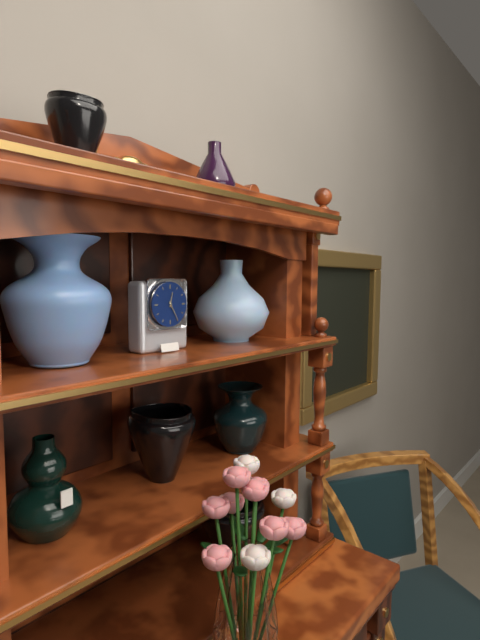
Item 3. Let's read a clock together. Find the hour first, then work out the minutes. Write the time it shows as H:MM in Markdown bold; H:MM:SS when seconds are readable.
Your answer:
**12:25**
